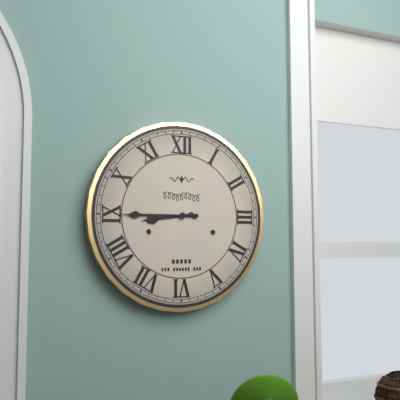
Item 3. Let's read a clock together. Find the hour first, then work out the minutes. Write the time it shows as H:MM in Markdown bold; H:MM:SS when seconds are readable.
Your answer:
**8:45**
